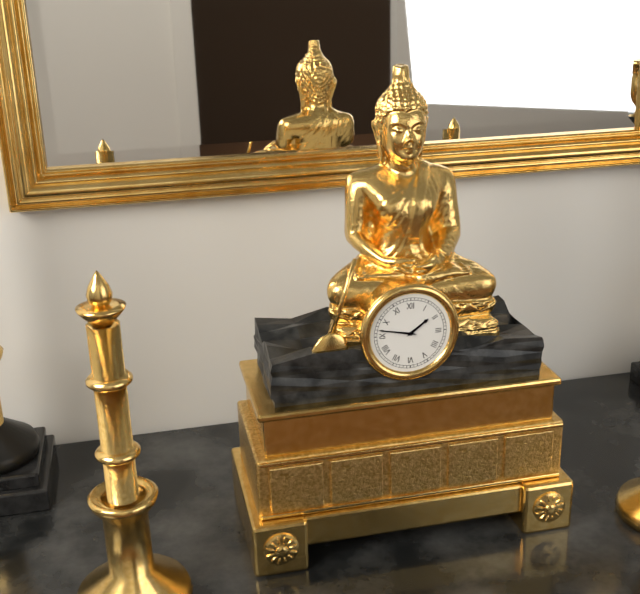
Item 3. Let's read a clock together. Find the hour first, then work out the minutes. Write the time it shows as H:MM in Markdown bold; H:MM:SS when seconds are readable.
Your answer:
**1:47**
